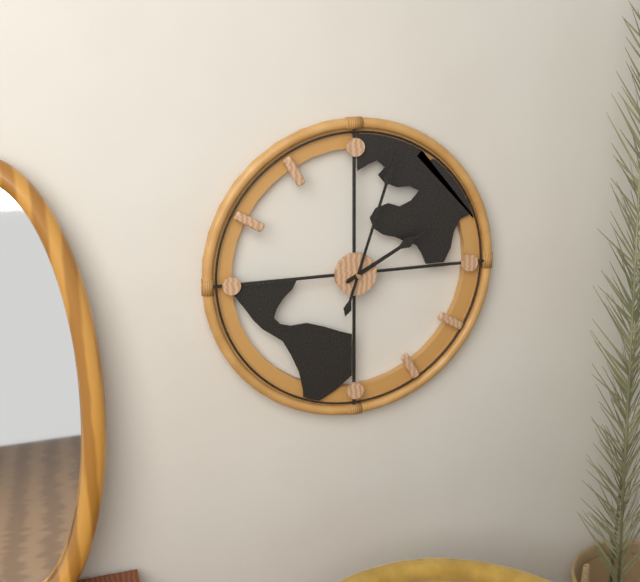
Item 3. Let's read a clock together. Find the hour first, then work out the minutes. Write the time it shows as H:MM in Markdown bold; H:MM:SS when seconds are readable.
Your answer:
**2:03**
